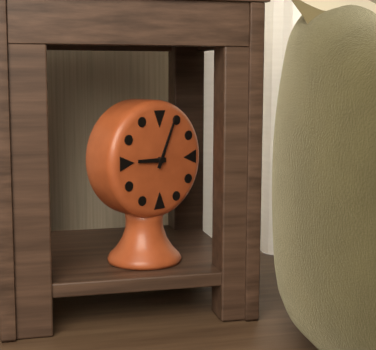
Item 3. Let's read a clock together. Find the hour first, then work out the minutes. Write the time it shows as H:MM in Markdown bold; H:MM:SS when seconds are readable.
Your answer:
**9:04**
